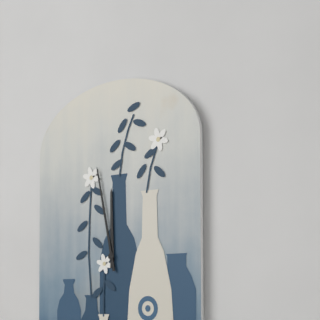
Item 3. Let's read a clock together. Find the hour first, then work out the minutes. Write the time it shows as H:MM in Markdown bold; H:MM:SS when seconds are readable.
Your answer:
**11:58**
